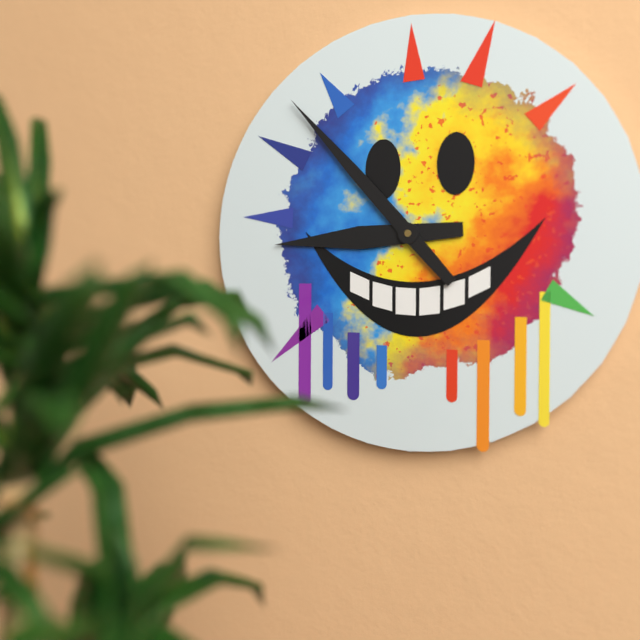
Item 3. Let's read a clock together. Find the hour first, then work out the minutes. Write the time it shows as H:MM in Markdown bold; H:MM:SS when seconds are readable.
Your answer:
**8:53**
